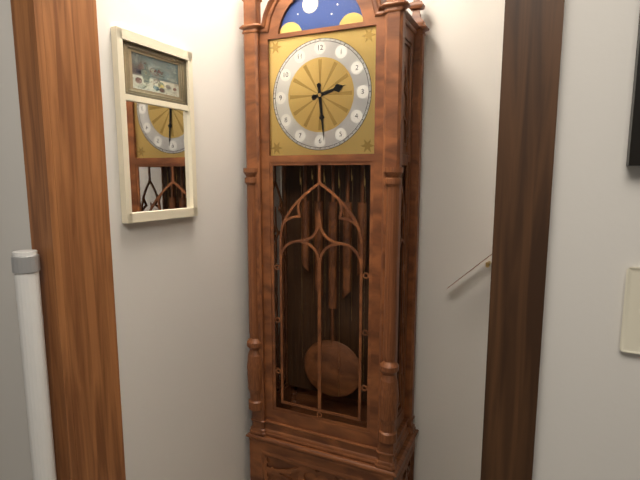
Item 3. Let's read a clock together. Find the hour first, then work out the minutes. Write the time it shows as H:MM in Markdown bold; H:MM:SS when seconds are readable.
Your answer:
**2:29**
